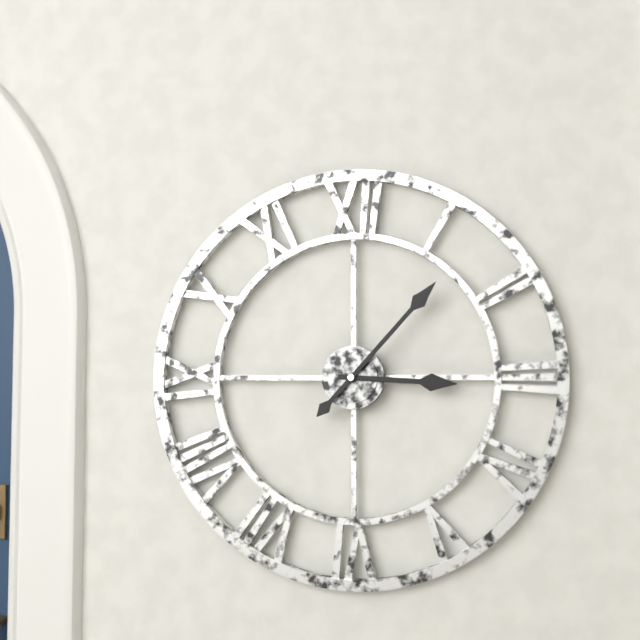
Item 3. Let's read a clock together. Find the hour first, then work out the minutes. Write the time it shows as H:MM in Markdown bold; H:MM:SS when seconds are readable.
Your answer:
**3:07**
